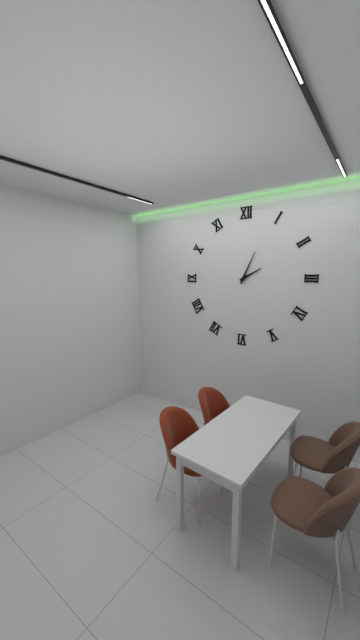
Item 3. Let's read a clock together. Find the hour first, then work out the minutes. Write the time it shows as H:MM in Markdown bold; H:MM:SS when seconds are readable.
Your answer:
**2:04**
